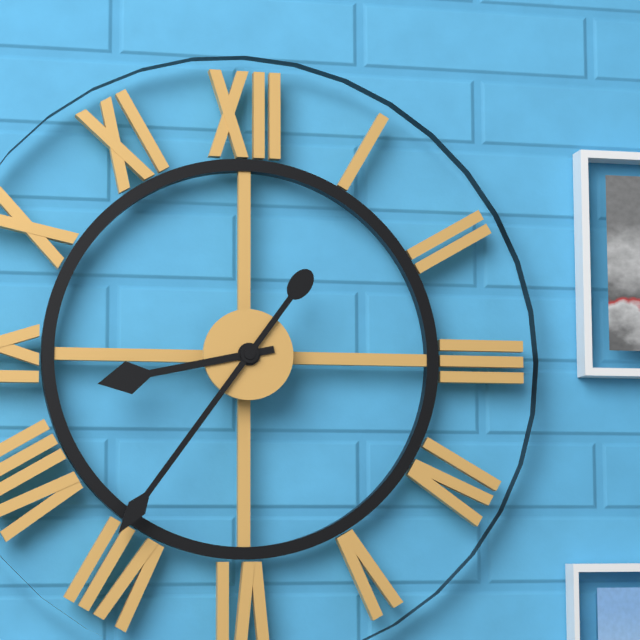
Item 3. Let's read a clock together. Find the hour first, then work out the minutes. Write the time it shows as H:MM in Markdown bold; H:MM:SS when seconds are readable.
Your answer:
**8:36**
